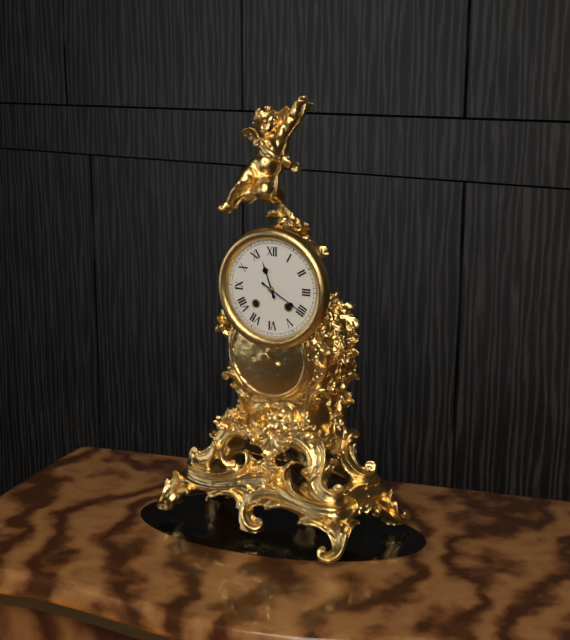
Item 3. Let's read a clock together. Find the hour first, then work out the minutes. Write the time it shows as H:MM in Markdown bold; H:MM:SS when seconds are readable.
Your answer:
**11:20**
